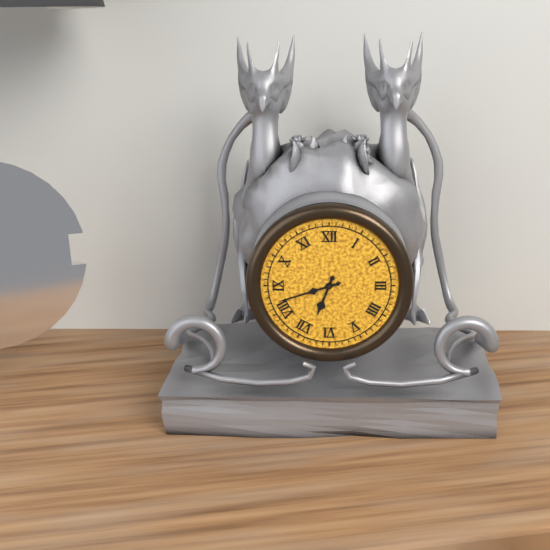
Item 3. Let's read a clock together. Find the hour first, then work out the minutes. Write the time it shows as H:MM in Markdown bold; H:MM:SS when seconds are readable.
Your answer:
**6:42**
